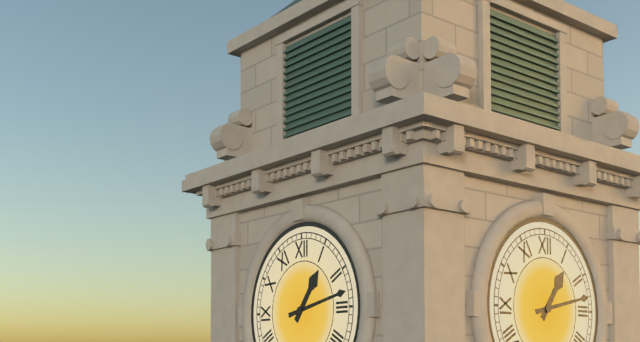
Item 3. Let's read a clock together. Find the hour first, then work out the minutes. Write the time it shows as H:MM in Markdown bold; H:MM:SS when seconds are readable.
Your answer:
**1:13**
